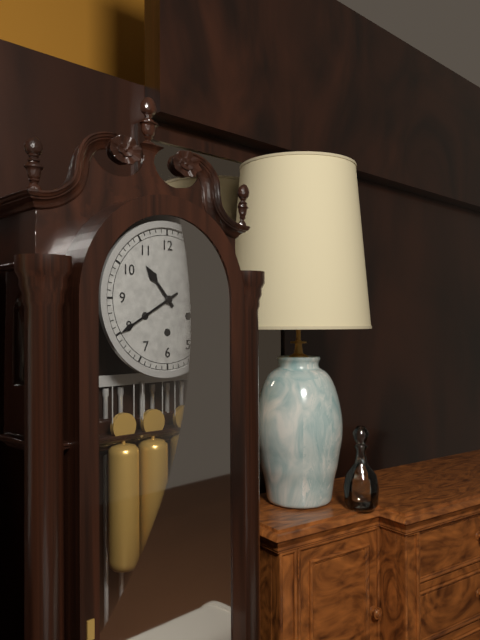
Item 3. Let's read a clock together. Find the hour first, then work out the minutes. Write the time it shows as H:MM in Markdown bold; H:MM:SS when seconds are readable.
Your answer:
**10:40**
